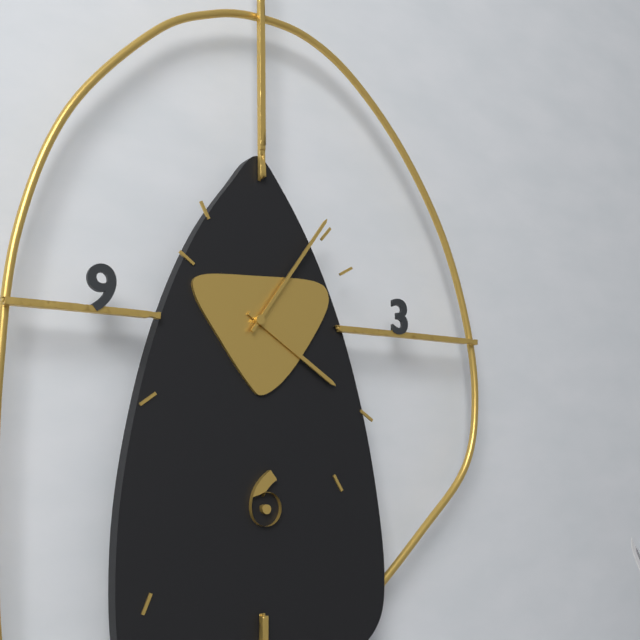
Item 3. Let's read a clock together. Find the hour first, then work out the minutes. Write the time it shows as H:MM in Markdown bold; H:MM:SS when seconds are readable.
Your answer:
**4:06**
